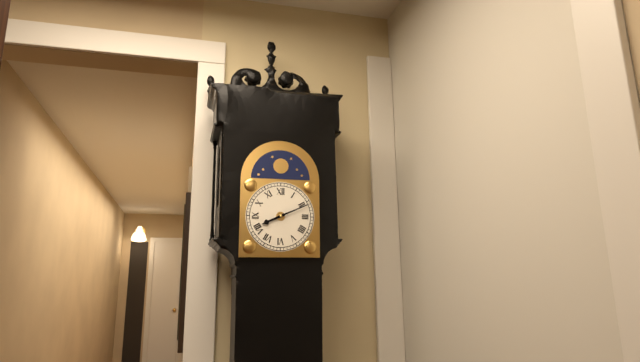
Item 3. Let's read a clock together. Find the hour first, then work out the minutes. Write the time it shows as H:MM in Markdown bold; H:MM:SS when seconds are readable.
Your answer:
**8:11**
